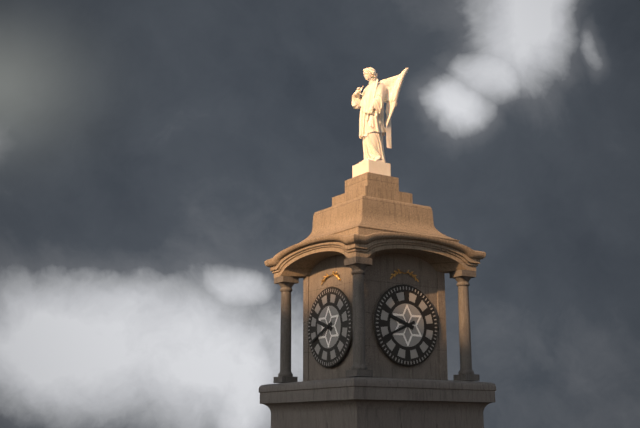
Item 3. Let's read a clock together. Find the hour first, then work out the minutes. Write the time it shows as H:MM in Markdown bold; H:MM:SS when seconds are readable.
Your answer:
**9:41**
